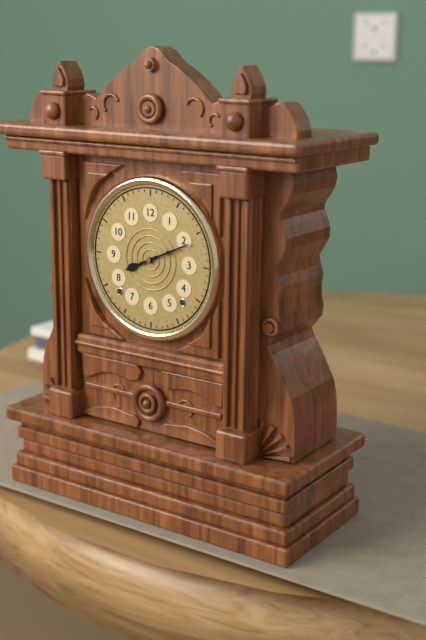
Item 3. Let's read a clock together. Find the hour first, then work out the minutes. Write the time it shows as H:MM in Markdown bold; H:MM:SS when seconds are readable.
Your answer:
**8:11**
